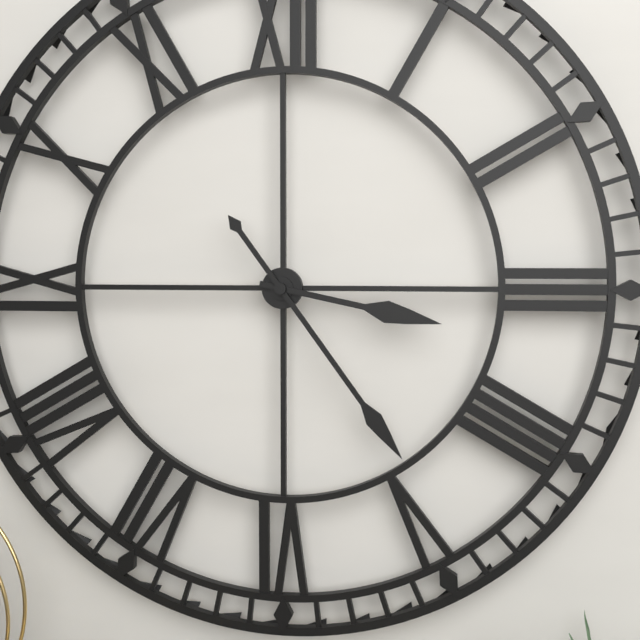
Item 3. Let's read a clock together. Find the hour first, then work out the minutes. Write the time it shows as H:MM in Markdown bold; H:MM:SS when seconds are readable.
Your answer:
**3:24**
